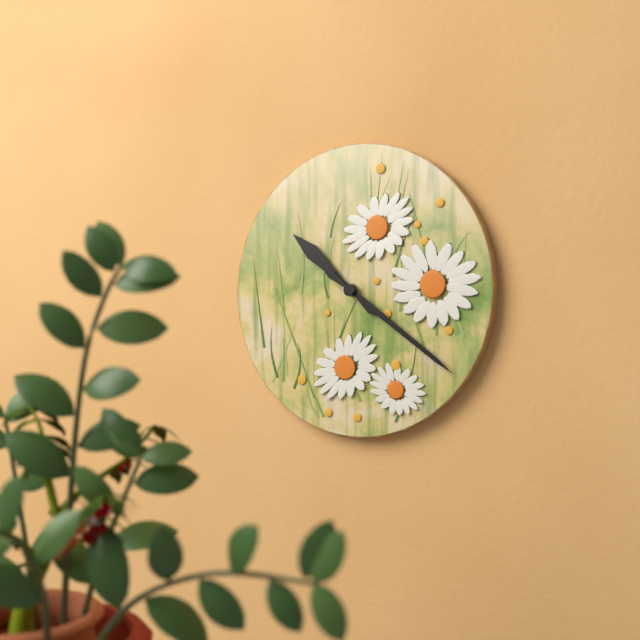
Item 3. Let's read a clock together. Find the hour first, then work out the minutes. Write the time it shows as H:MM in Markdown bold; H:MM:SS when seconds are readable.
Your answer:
**10:21**
